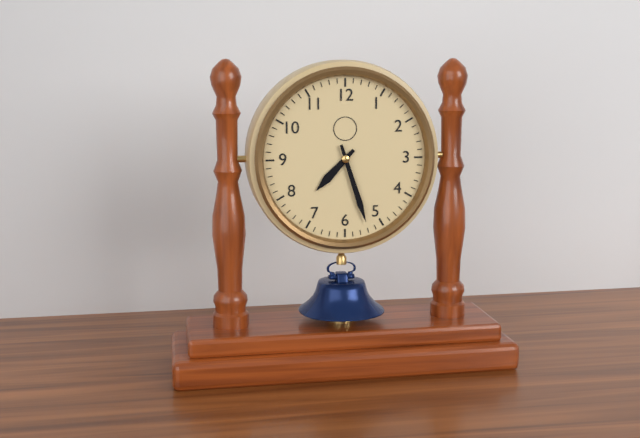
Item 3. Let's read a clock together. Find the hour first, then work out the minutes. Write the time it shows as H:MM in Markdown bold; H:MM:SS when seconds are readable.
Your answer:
**7:27**
